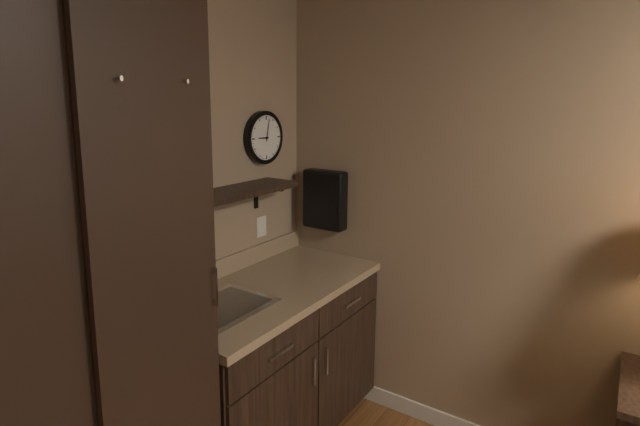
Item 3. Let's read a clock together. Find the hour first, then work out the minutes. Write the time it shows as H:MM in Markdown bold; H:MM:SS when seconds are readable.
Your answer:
**9:02**
